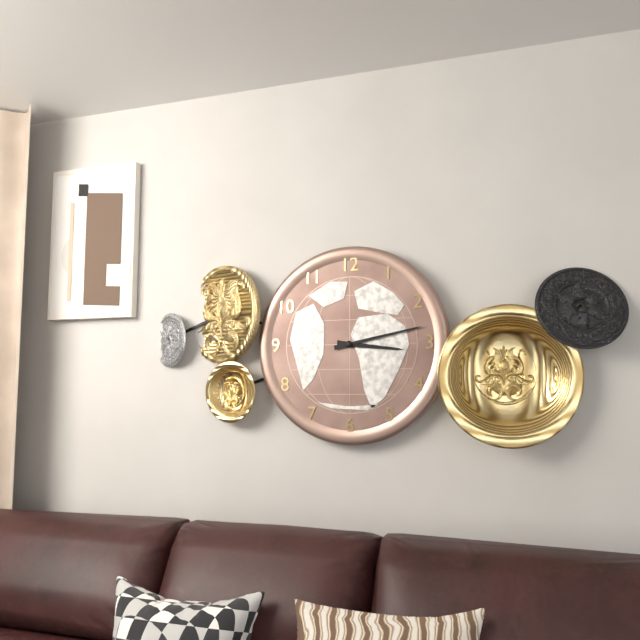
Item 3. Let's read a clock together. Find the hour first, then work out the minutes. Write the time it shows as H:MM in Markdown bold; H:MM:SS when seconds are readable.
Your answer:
**3:13**
